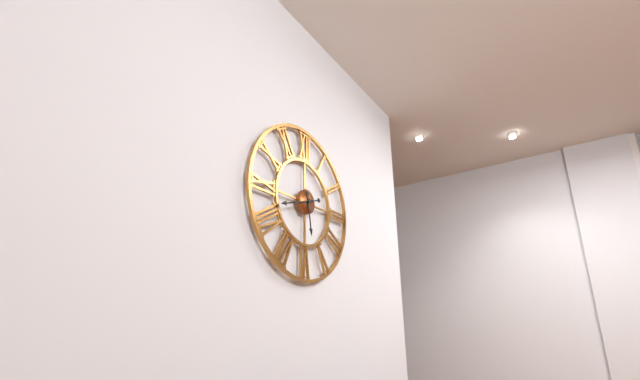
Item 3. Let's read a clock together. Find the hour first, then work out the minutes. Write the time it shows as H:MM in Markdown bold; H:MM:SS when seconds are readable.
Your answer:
**5:42**
